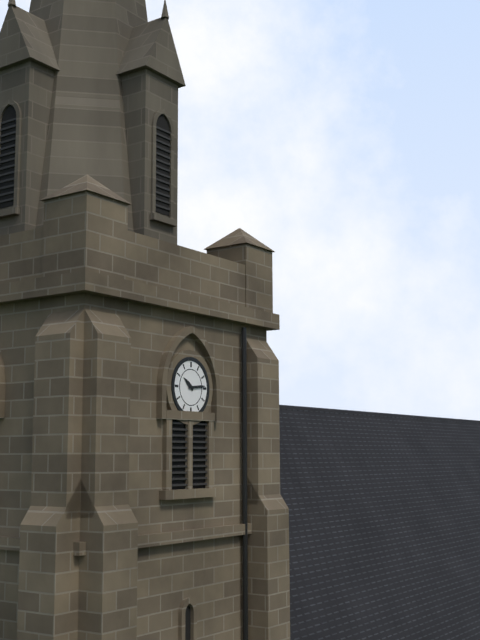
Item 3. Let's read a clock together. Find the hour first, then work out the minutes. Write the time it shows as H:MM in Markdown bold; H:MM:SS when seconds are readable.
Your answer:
**10:14**
